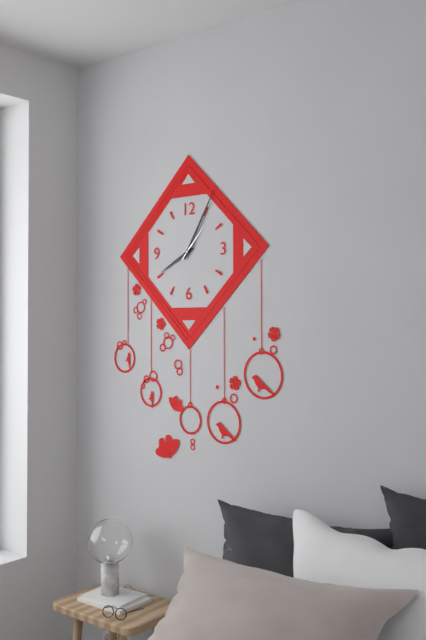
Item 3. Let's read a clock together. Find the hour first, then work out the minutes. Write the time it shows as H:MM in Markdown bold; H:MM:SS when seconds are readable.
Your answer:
**8:05**
